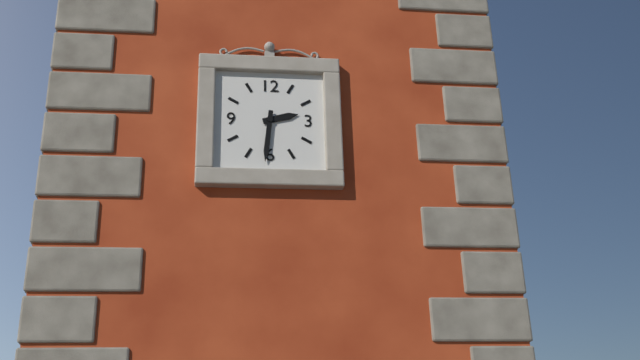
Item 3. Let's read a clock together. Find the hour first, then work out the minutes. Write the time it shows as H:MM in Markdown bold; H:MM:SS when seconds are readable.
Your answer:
**2:31**
